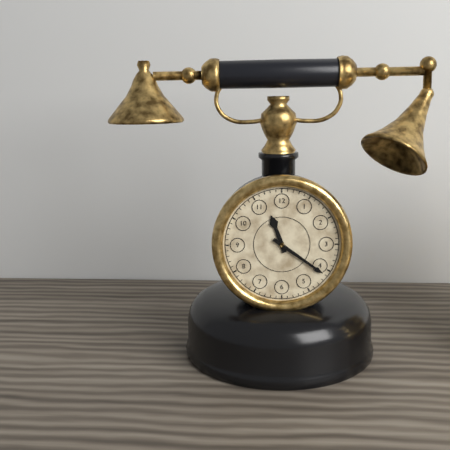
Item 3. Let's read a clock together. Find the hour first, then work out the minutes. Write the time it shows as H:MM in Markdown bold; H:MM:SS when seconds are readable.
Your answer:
**11:21**
